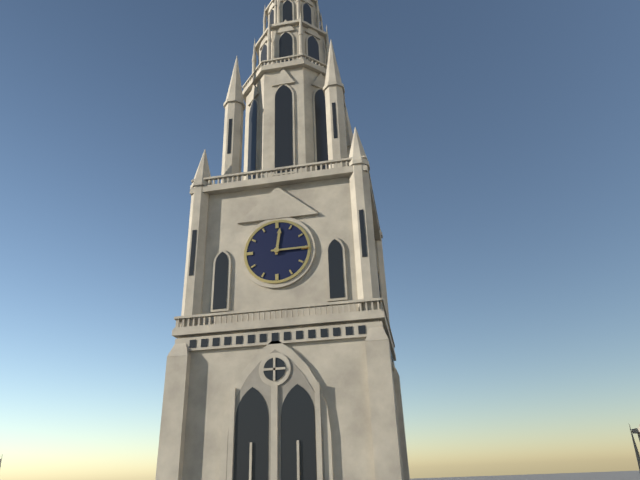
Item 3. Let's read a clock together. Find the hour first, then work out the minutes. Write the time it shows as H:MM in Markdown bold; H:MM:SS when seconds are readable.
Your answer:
**12:15**
